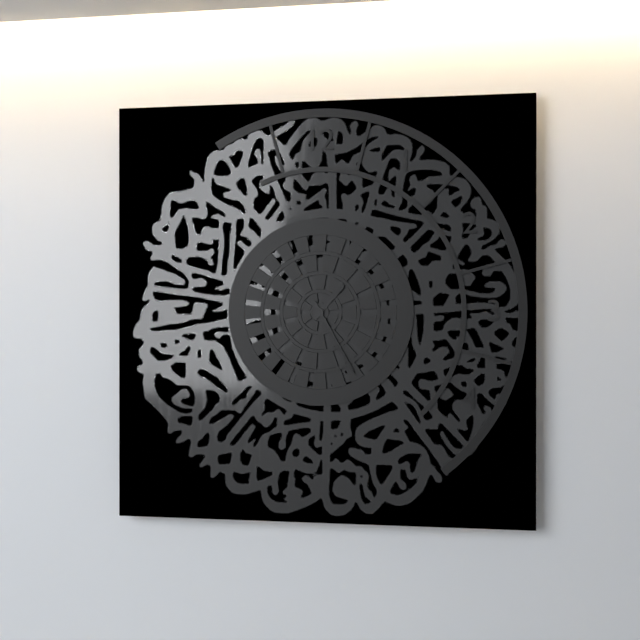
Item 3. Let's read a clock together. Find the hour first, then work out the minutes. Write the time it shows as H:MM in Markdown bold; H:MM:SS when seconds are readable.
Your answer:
**1:25**
